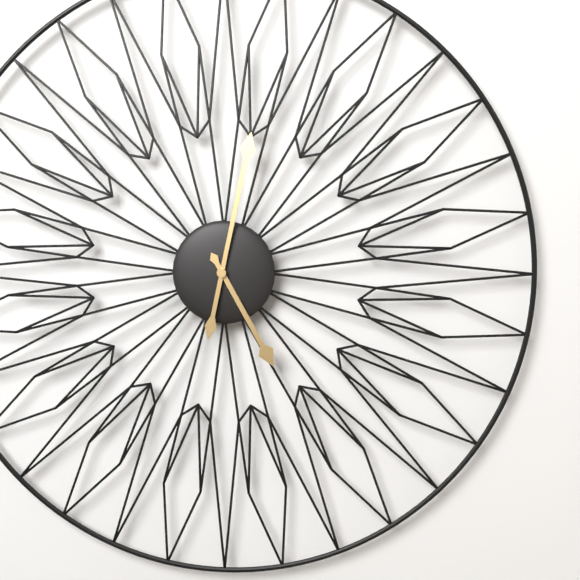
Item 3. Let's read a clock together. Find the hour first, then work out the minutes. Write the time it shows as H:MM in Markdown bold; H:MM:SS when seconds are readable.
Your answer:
**5:02**
